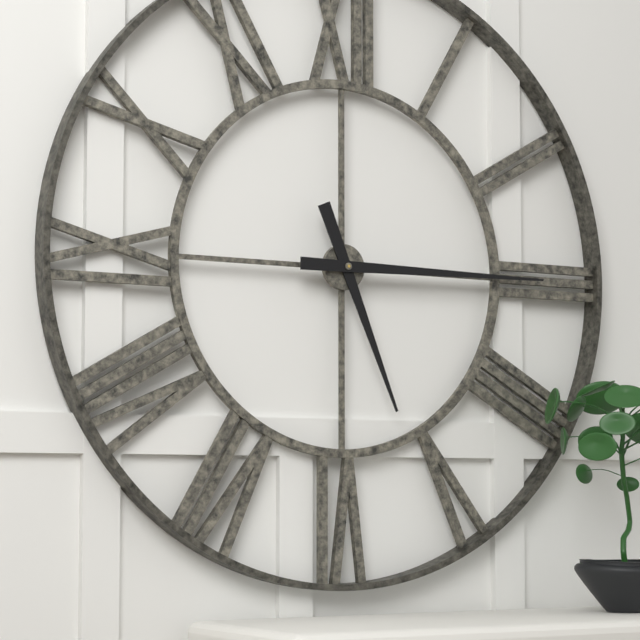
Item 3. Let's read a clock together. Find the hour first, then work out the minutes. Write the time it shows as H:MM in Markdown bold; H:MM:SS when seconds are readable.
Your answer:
**5:15**
